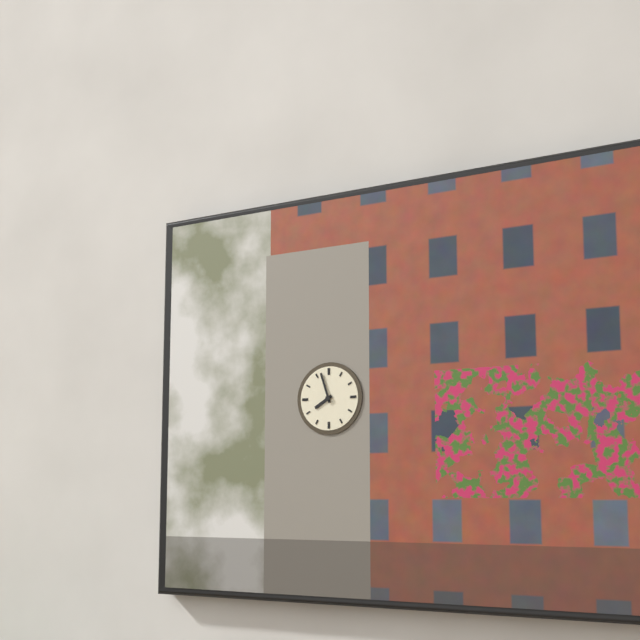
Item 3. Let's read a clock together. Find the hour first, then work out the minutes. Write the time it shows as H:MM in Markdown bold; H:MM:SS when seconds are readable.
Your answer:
**7:57**
